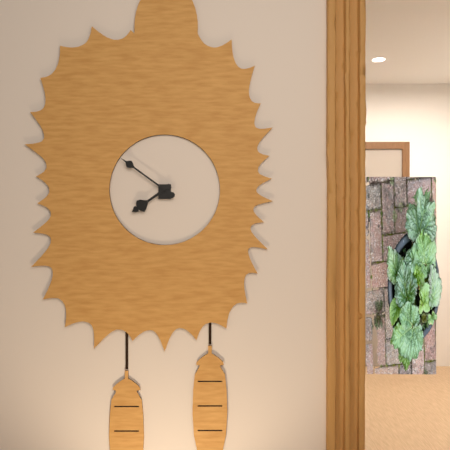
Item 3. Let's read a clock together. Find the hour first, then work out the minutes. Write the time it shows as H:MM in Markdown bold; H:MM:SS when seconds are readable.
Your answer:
**7:51**
